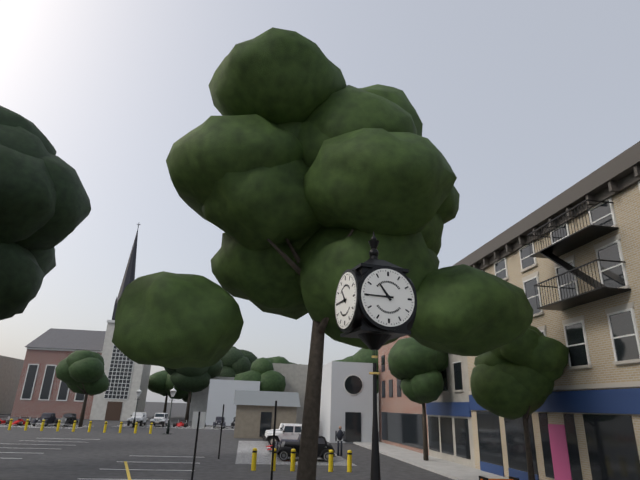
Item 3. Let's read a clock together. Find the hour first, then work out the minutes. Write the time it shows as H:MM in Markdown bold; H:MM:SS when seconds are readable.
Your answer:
**10:45**
